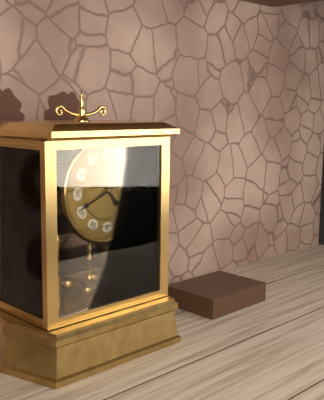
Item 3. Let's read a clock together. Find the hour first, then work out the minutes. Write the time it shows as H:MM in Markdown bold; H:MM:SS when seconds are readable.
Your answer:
**4:41**
